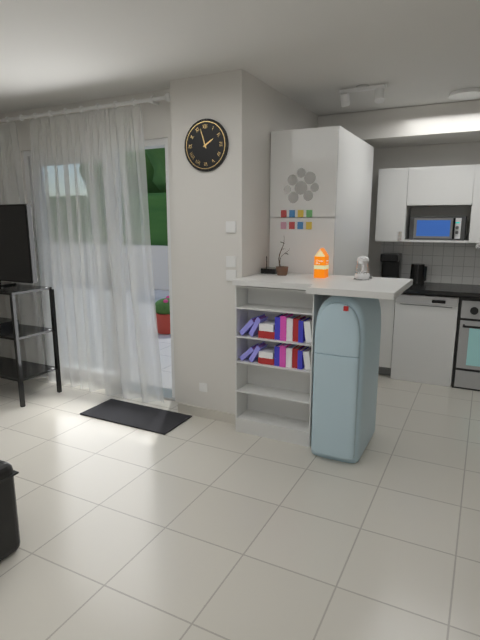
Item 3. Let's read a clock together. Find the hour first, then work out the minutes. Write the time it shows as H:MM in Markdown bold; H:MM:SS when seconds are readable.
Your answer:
**1:57**
